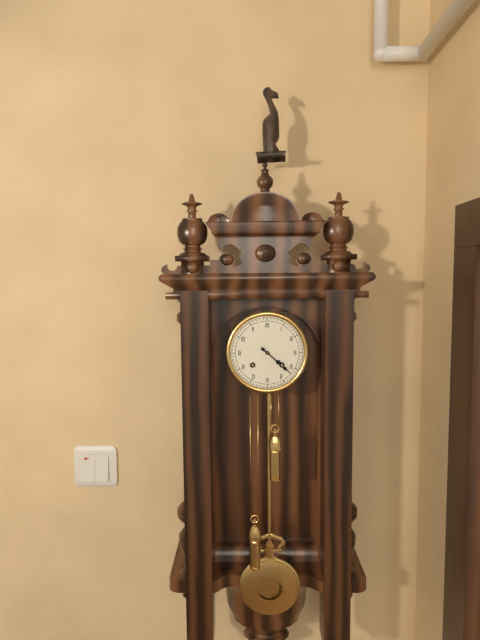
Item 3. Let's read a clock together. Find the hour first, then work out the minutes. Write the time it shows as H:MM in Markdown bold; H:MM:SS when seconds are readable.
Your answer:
**4:22**
